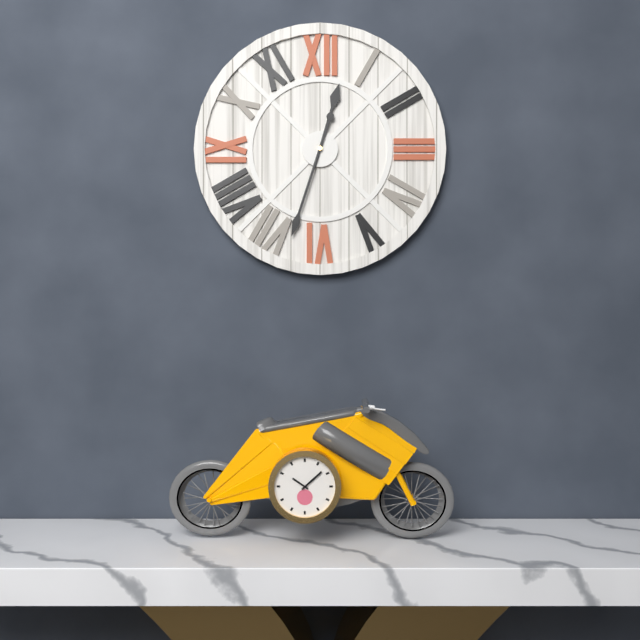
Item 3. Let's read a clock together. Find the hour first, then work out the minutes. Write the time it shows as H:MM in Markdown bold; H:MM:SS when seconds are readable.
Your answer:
**12:33**
